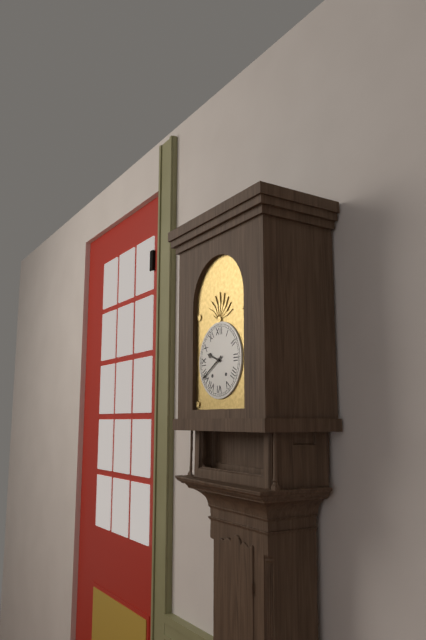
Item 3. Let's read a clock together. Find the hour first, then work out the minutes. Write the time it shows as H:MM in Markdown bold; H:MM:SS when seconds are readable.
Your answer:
**9:40**
